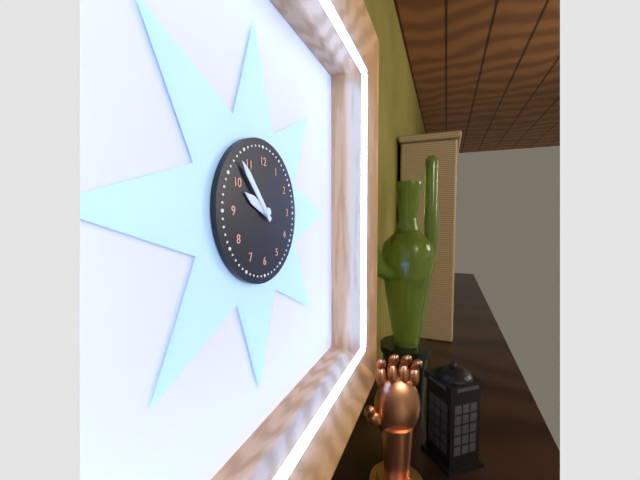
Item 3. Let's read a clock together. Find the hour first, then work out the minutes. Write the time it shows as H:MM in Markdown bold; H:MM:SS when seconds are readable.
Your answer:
**9:53**
